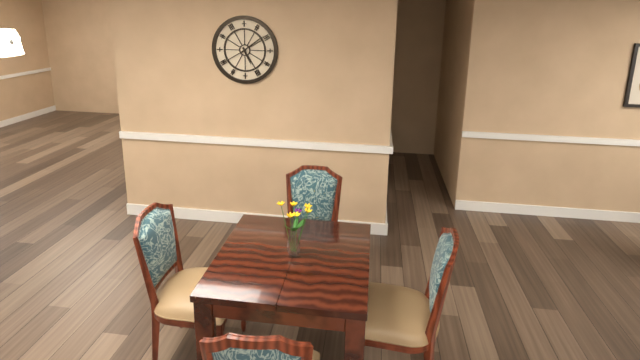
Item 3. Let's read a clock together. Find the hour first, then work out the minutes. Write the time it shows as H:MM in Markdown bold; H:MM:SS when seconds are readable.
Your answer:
**5:09**
